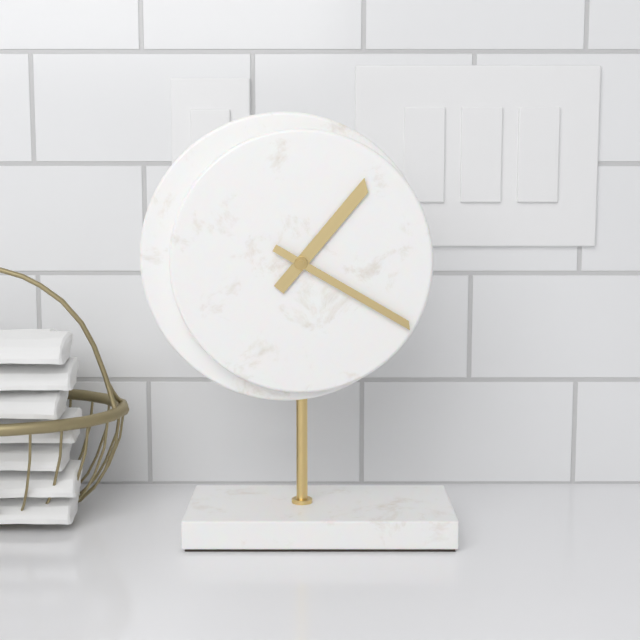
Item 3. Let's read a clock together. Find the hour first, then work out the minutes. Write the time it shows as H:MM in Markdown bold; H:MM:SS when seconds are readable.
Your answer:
**1:20**
